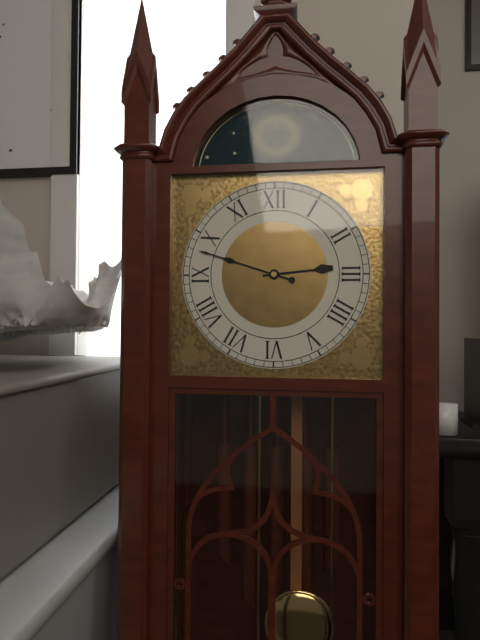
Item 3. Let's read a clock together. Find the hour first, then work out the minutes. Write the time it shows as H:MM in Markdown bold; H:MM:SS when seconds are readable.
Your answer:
**2:48**
